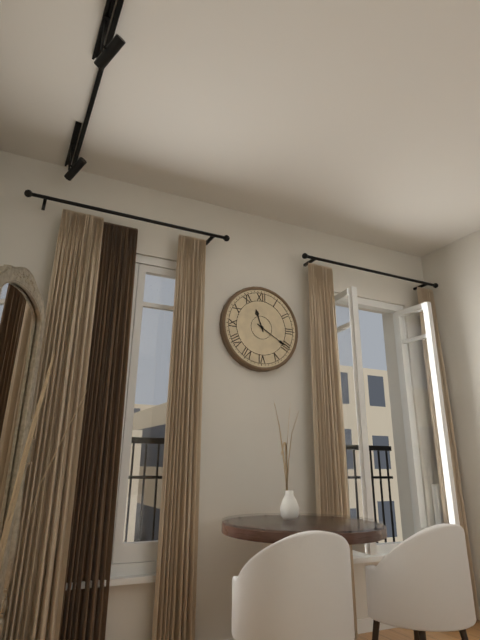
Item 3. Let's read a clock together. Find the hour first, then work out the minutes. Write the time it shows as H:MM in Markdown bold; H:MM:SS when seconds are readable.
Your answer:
**11:20**
